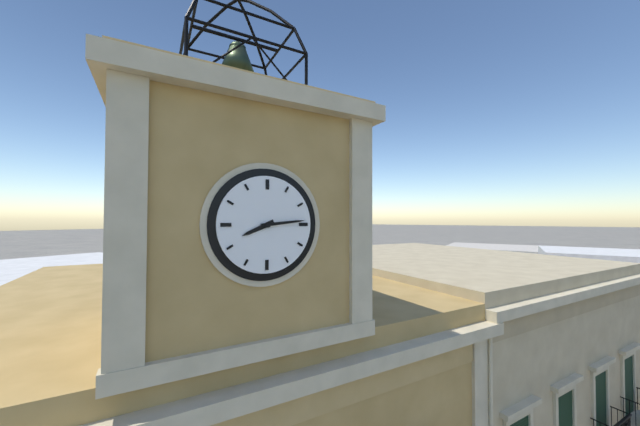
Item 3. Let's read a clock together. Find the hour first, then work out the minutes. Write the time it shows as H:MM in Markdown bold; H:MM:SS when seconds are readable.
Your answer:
**8:14**
